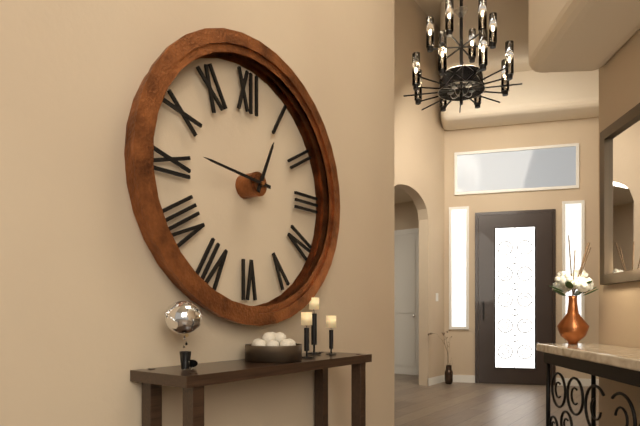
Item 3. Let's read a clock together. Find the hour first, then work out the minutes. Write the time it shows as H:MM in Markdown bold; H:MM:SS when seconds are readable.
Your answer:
**12:46**
